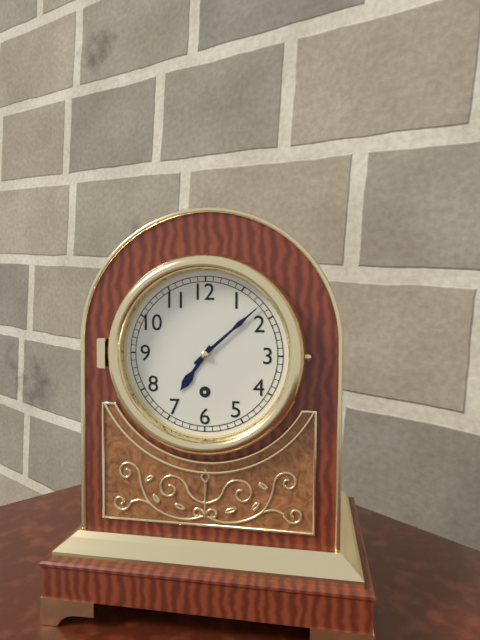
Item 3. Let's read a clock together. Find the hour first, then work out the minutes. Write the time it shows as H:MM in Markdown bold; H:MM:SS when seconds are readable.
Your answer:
**7:08**
